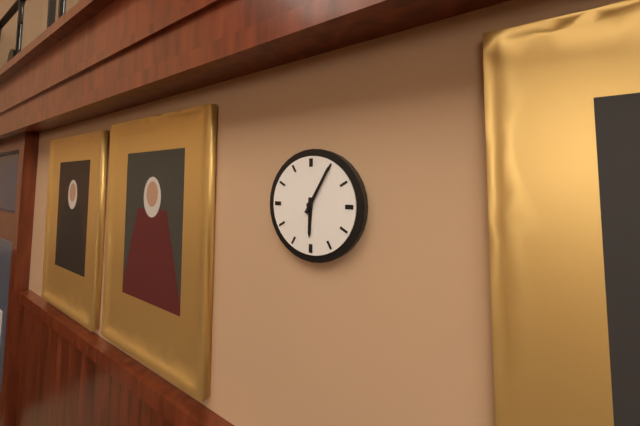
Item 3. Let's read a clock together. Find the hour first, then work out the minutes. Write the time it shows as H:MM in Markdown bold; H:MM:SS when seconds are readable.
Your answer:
**6:05**
